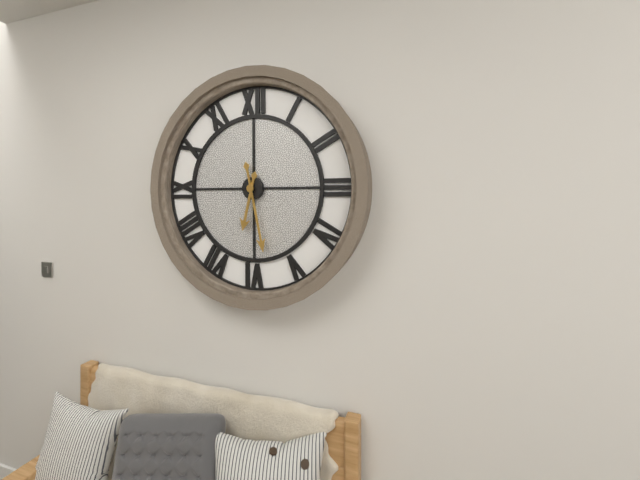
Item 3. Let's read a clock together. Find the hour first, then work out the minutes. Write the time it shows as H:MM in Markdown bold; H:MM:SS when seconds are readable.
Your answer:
**6:28**
